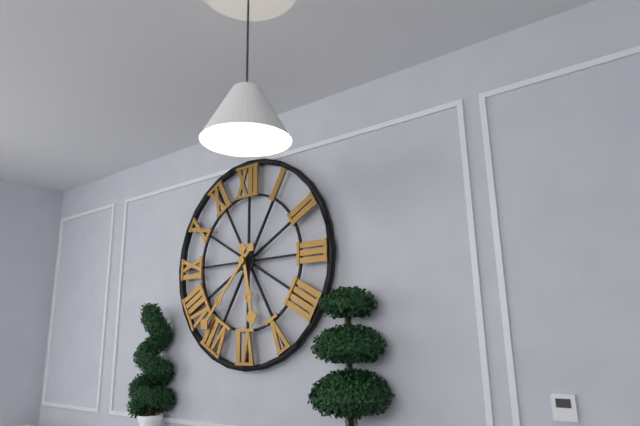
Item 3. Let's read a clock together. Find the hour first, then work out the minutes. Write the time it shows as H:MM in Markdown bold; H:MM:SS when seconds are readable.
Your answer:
**5:37**
